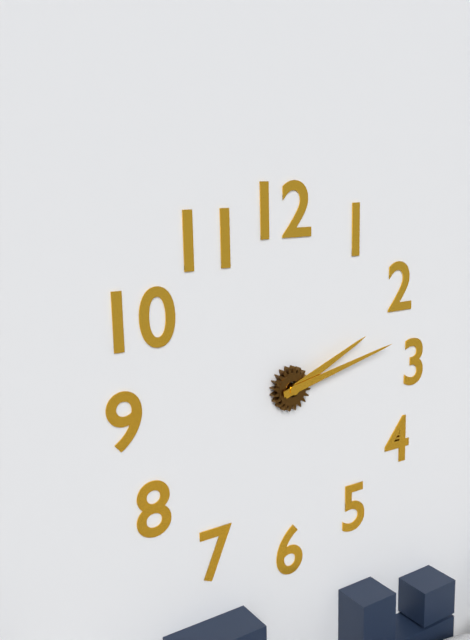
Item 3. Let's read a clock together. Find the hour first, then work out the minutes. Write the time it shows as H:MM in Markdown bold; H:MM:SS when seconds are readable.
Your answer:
**2:13**
